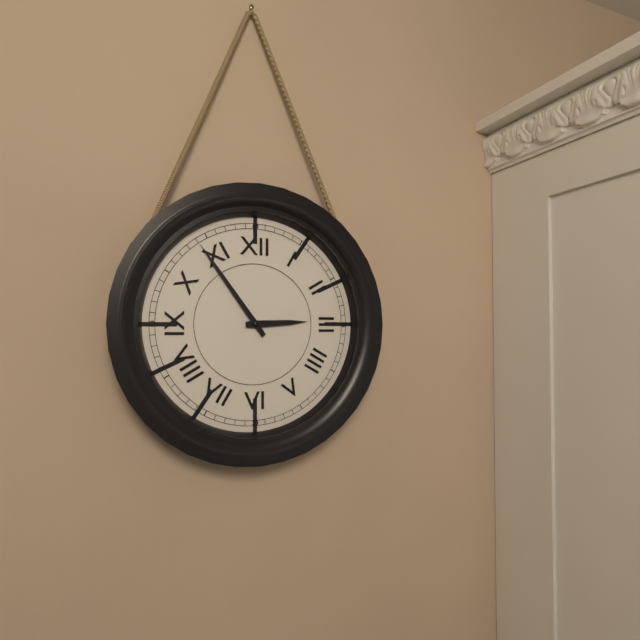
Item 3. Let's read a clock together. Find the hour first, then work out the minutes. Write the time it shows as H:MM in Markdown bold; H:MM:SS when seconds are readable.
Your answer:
**2:54**
